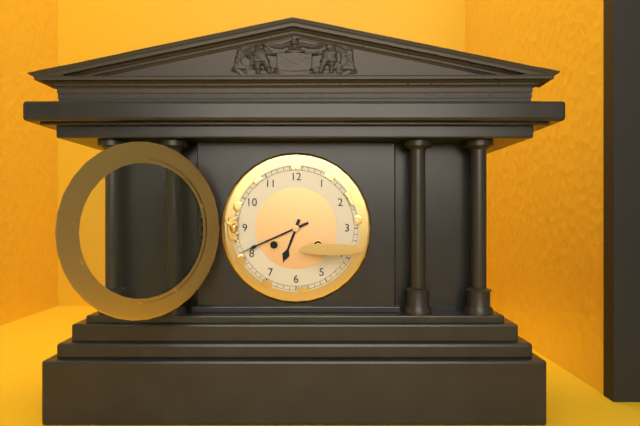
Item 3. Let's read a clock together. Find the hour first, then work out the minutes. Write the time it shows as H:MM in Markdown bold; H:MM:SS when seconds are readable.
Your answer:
**6:41**
